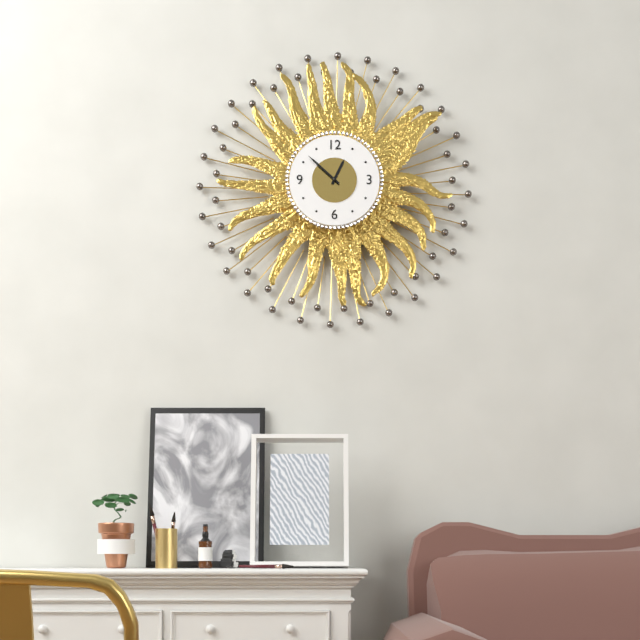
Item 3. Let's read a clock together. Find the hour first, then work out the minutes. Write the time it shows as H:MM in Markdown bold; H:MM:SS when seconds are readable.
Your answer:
**12:52**
